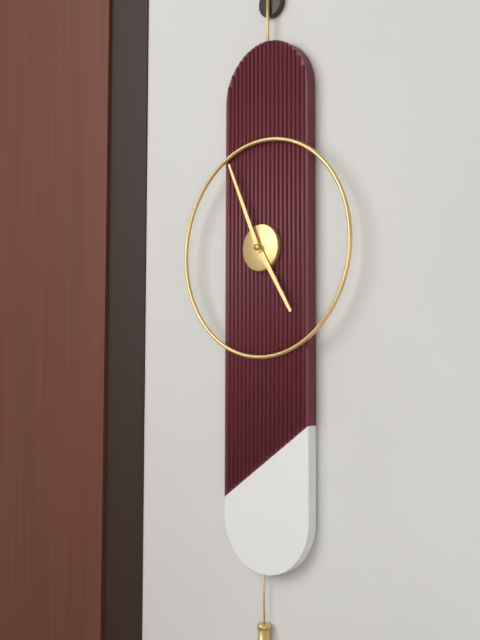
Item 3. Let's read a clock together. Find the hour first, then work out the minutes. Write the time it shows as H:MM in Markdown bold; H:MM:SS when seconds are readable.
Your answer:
**4:56**
